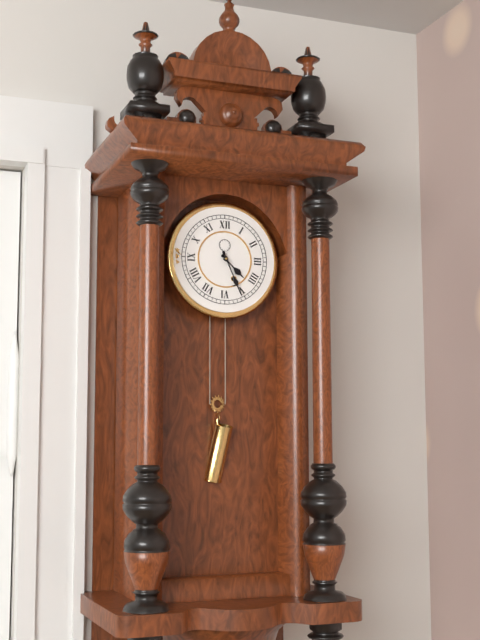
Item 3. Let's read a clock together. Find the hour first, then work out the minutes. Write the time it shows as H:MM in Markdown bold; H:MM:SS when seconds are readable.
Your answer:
**4:26**
